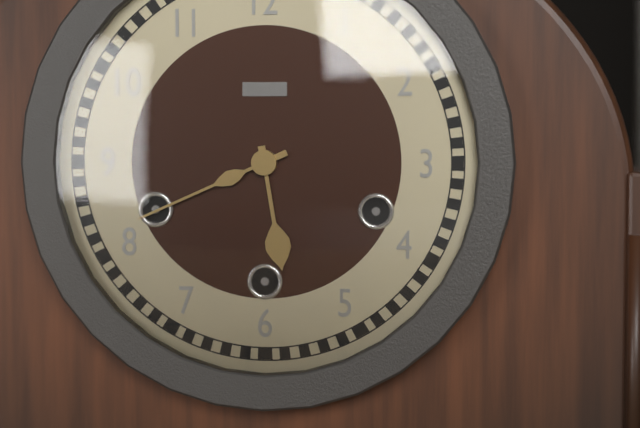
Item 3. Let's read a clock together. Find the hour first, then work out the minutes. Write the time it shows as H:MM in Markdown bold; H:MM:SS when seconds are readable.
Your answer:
**5:41**
